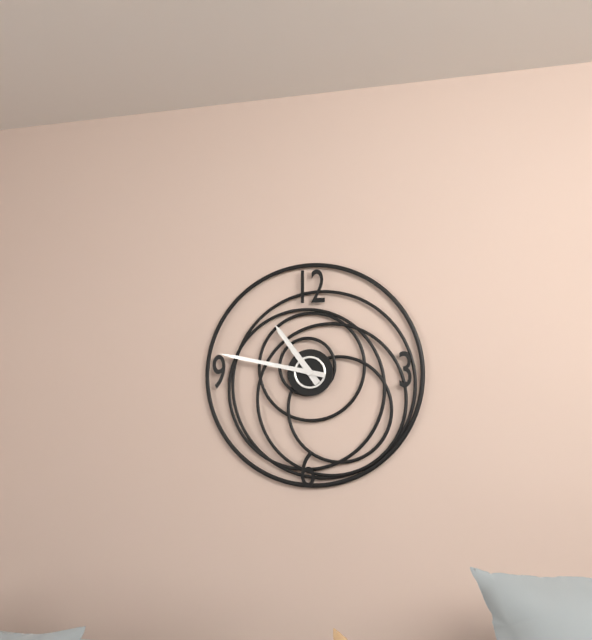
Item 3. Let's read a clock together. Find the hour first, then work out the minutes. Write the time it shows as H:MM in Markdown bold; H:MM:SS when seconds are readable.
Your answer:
**10:47**
